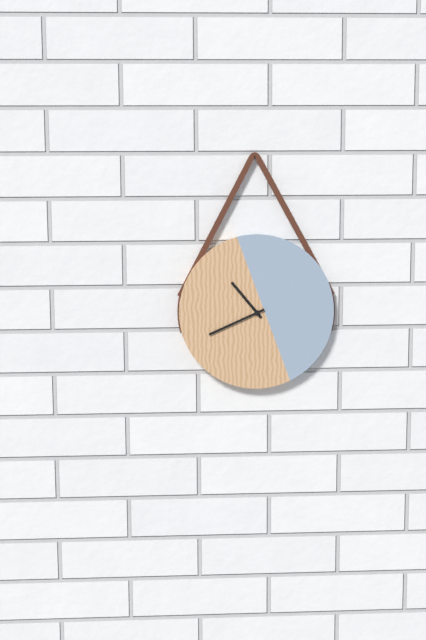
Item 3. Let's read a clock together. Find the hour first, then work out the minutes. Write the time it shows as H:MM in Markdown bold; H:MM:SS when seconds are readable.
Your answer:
**10:41**
